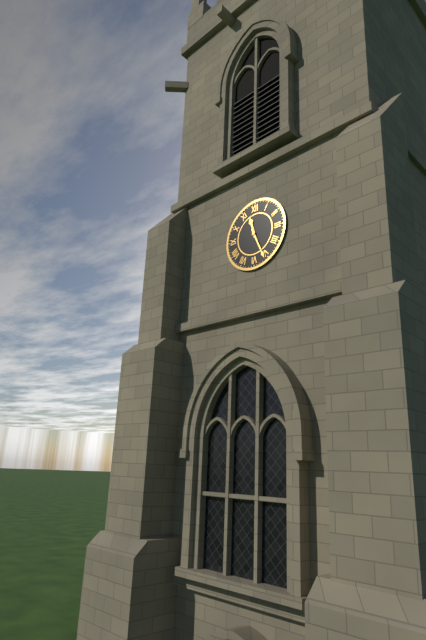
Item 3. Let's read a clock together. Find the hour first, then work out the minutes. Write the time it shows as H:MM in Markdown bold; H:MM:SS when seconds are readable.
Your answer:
**11:26**
